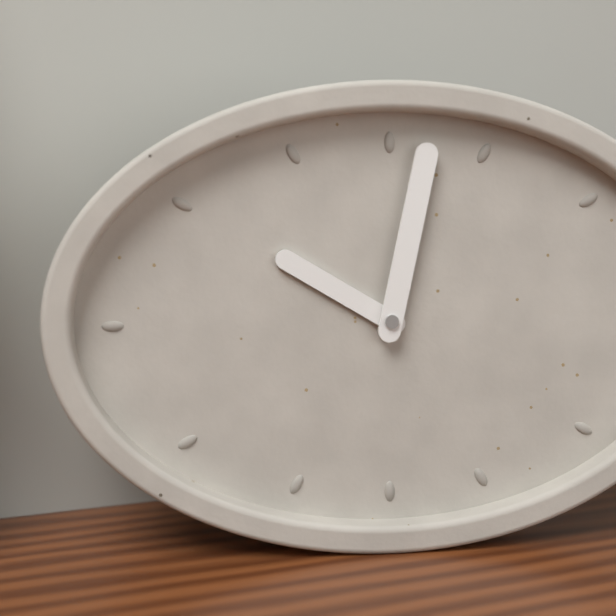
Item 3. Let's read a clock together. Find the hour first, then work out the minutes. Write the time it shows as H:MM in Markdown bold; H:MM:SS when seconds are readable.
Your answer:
**10:02**
